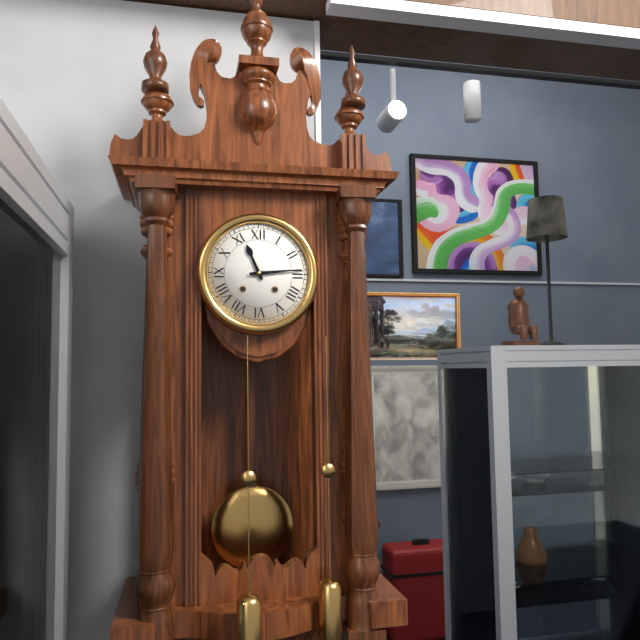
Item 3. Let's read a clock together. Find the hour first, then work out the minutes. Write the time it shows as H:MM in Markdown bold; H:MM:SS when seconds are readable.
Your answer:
**11:14**
